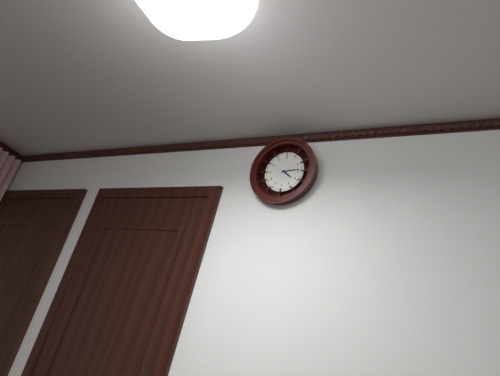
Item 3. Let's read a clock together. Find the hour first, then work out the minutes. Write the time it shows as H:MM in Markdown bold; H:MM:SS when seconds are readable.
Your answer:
**4:14**
